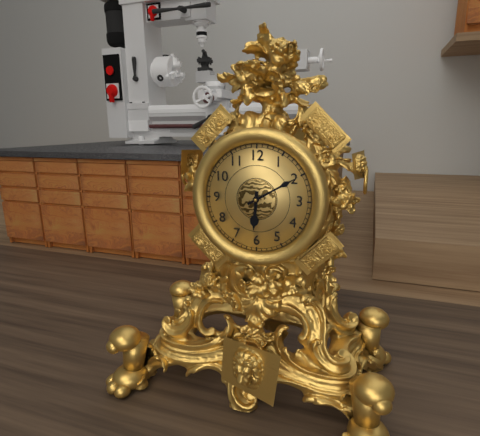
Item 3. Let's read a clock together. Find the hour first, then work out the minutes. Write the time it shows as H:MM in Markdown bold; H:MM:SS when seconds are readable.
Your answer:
**6:10**
